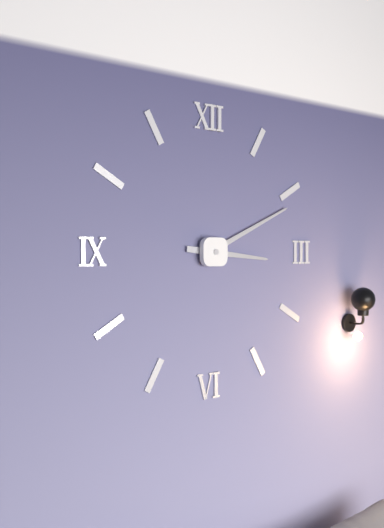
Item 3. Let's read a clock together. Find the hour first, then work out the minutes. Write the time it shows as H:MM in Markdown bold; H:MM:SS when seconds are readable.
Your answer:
**3:11**
